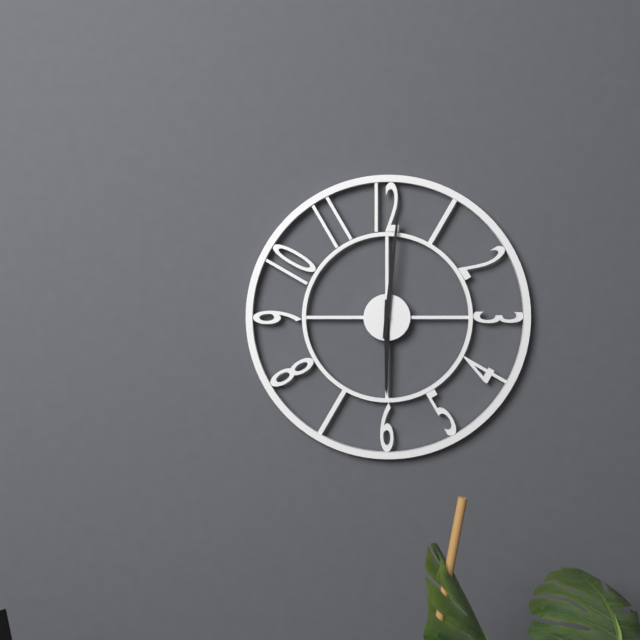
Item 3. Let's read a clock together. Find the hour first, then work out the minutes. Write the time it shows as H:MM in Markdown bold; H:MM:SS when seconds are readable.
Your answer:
**6:01**
